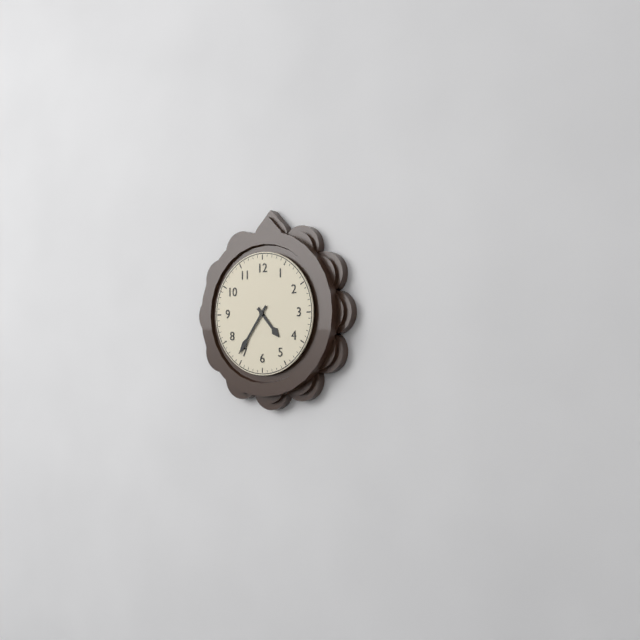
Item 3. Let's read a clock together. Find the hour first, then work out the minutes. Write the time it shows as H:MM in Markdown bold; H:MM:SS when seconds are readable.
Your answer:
**4:36**
